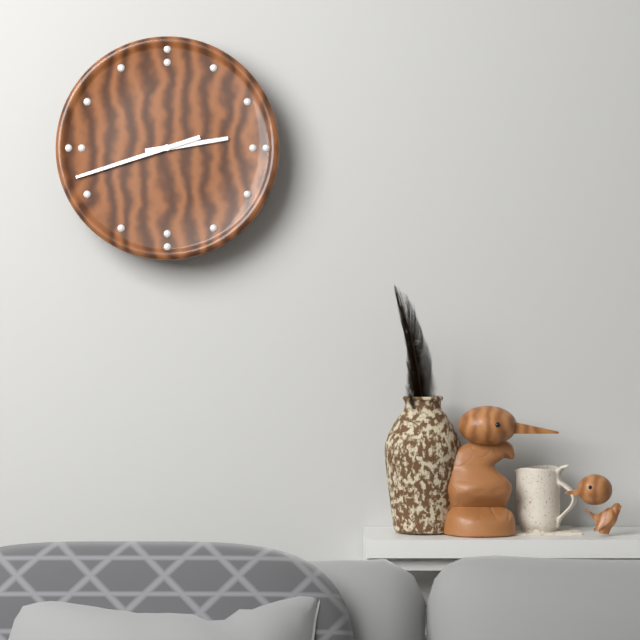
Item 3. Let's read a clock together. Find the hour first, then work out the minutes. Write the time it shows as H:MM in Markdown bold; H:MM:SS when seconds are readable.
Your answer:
**2:42**
